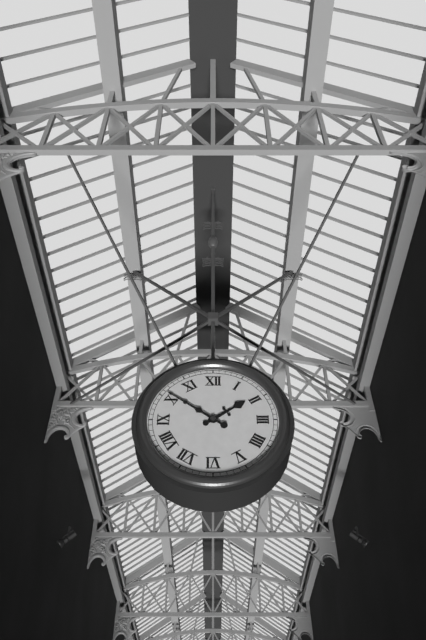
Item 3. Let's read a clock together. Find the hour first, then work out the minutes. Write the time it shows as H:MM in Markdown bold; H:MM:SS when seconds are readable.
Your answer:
**1:51**
